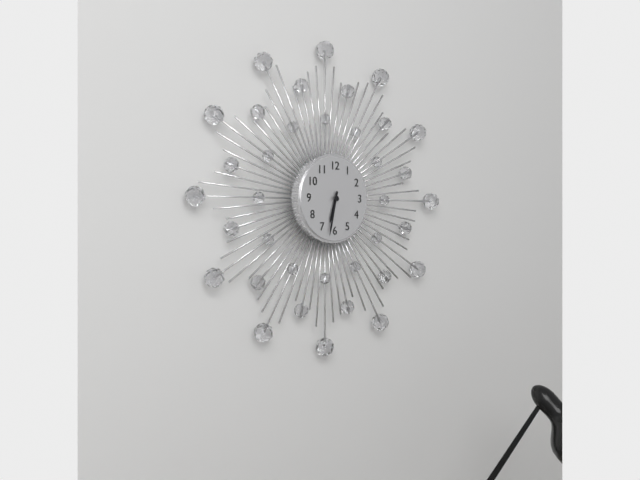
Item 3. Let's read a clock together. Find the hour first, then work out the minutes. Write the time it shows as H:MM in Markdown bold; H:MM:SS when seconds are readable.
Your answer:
**6:32**
